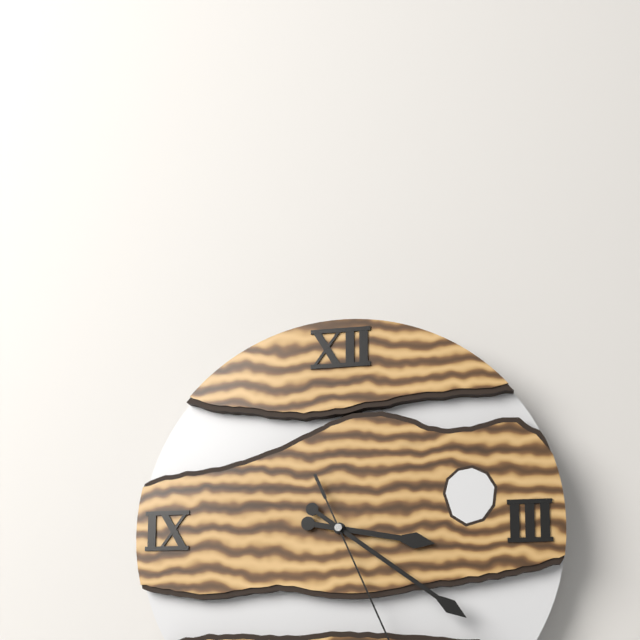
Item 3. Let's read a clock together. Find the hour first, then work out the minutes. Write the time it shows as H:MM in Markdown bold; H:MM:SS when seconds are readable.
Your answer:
**3:21**
